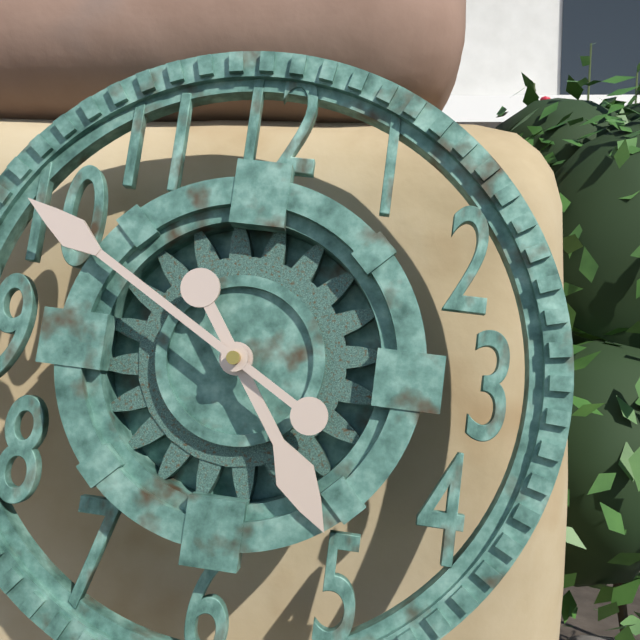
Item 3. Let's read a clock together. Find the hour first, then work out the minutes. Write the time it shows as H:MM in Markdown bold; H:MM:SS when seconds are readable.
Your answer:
**4:50**
